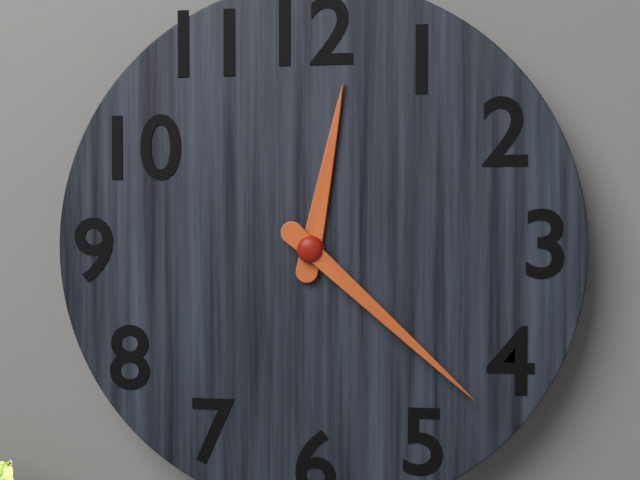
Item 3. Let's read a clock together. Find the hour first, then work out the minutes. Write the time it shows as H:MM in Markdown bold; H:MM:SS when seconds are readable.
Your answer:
**12:22**
